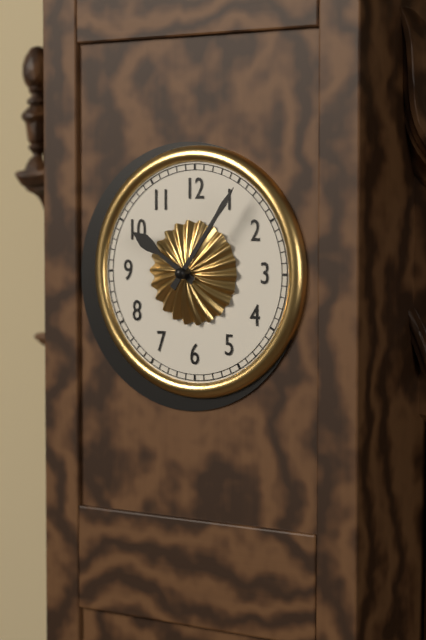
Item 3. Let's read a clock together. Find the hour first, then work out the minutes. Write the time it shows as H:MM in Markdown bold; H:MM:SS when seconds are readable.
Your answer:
**10:06**
